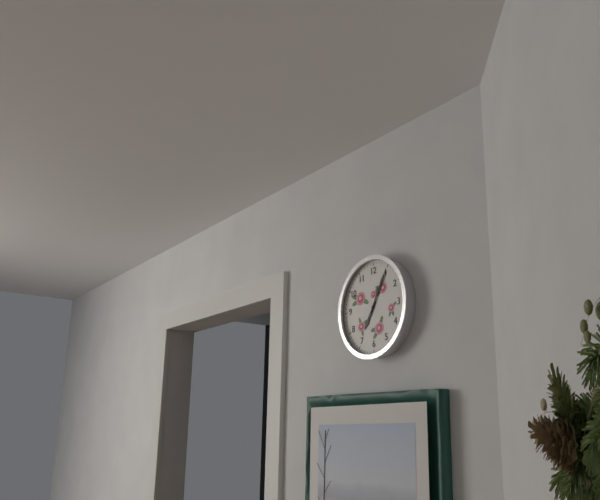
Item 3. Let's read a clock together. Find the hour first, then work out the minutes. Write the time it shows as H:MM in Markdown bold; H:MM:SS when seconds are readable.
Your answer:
**7:05**
